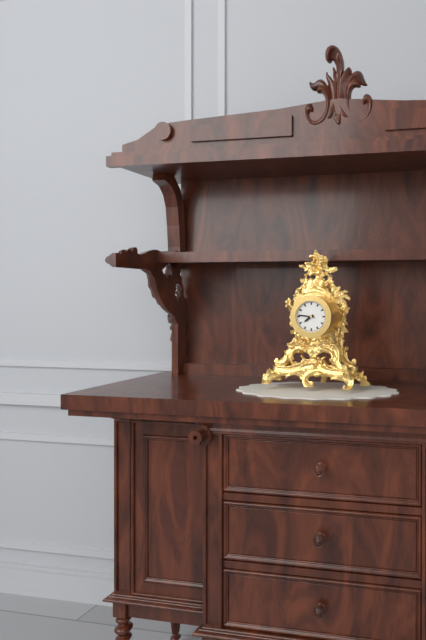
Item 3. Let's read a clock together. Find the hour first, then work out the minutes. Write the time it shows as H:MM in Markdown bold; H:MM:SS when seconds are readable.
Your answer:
**7:46**
